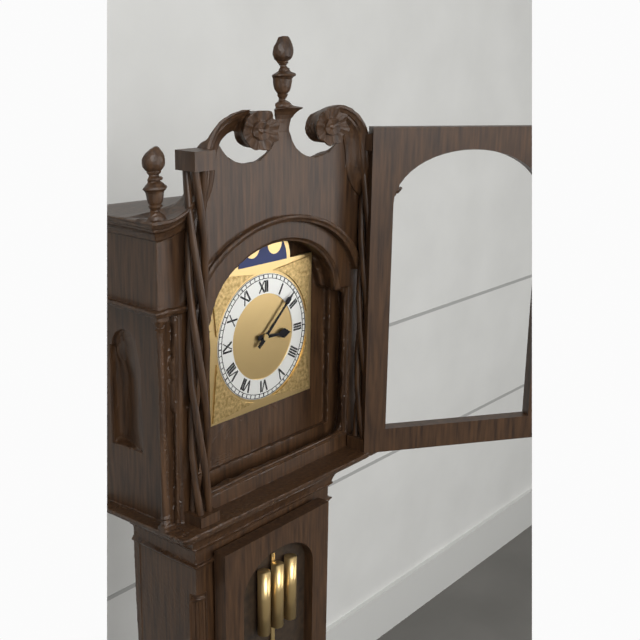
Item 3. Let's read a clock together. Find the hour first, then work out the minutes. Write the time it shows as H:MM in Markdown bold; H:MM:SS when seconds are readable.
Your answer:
**3:08**
